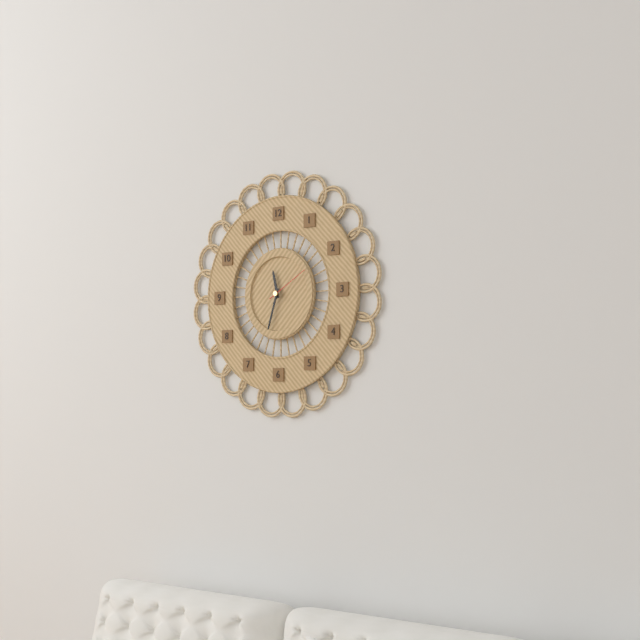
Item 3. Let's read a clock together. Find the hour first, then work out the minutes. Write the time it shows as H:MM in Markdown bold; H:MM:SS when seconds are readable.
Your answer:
**11:33**
